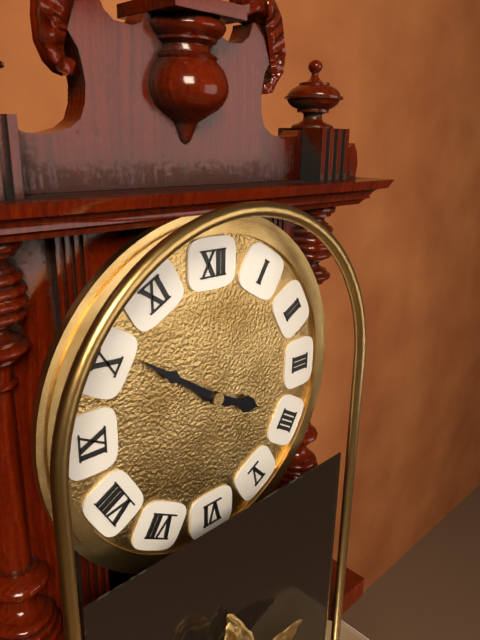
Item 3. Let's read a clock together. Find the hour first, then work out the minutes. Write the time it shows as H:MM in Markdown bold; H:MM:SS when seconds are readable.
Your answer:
**3:51**
